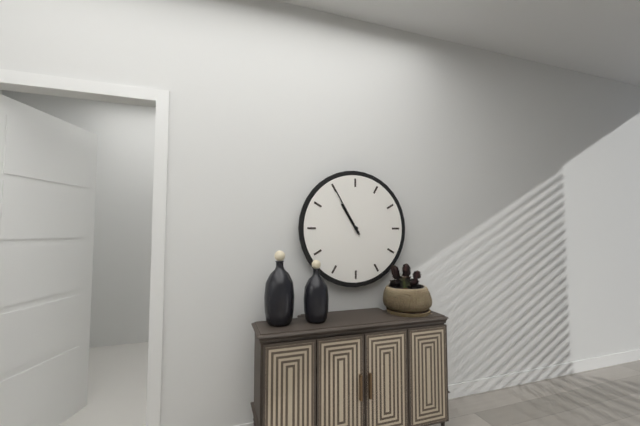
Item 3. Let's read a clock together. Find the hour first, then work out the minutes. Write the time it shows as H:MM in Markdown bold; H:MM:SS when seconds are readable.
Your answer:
**10:55**
